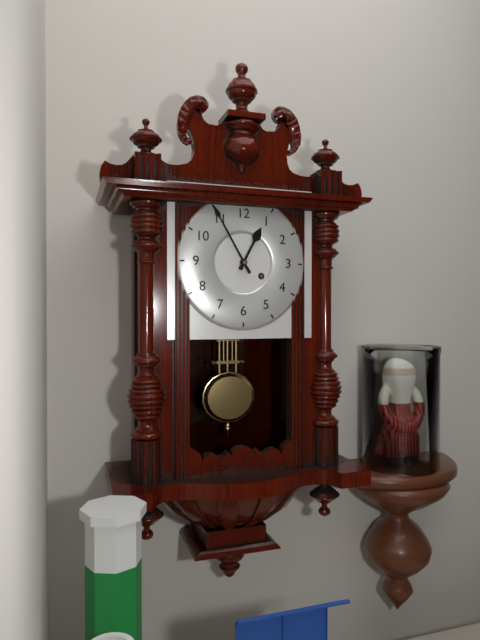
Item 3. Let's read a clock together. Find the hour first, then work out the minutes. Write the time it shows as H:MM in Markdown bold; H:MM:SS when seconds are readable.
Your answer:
**12:55**
